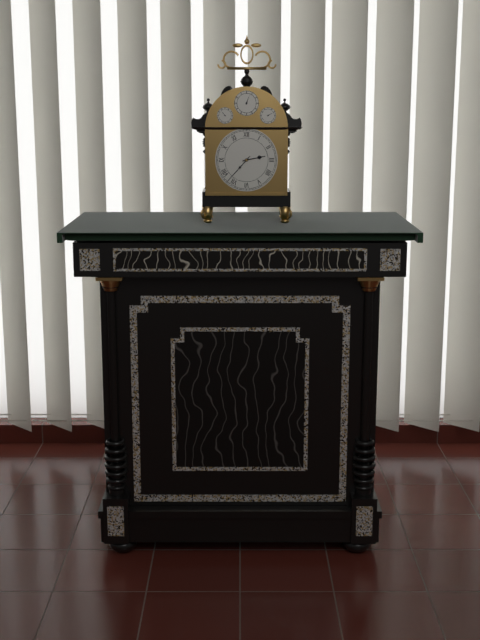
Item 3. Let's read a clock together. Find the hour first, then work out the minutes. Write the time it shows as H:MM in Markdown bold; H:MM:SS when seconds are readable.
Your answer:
**2:37**
